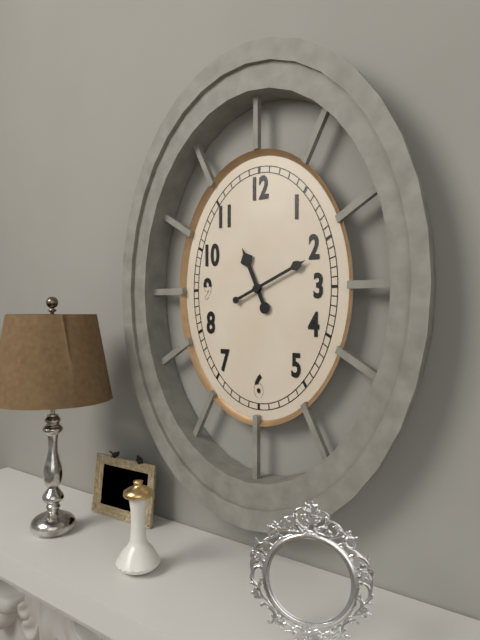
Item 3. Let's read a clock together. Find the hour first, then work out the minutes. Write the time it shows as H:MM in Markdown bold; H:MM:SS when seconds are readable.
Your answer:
**11:11**
